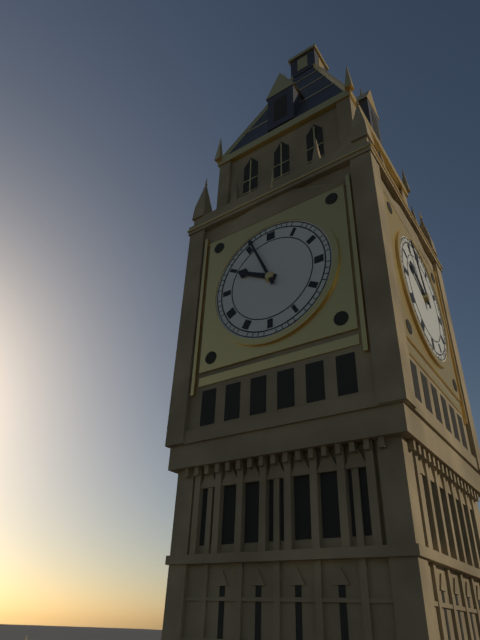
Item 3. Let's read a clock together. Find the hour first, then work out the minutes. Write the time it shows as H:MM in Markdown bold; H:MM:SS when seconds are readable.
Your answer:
**9:56**
